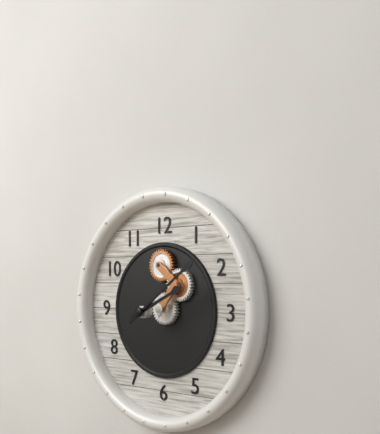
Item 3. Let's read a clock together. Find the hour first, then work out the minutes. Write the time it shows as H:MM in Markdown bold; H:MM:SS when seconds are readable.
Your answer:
**2:09**
